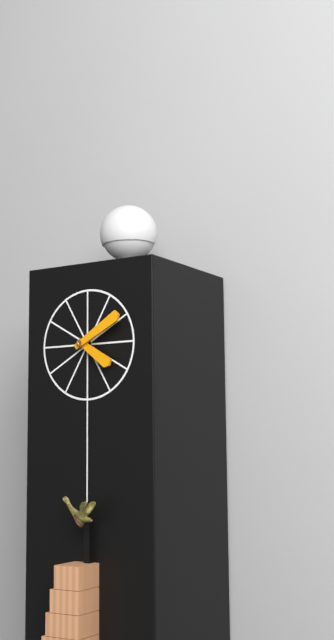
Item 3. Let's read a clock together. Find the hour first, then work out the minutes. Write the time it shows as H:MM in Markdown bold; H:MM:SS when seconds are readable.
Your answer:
**4:10**
